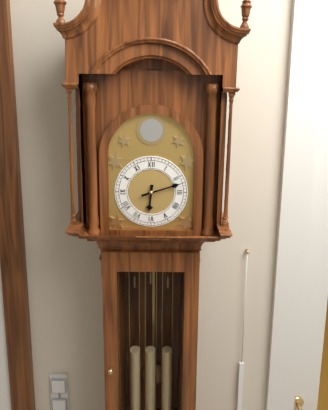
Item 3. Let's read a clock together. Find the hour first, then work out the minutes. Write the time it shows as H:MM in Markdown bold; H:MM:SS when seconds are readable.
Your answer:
**6:12**
